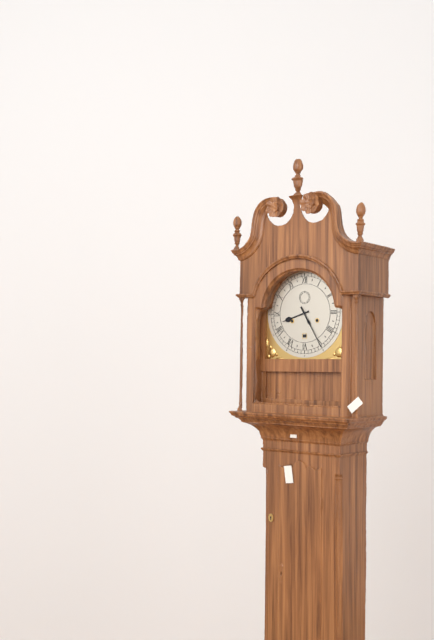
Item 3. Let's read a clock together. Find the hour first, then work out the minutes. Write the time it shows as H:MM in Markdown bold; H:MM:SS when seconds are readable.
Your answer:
**8:25**
